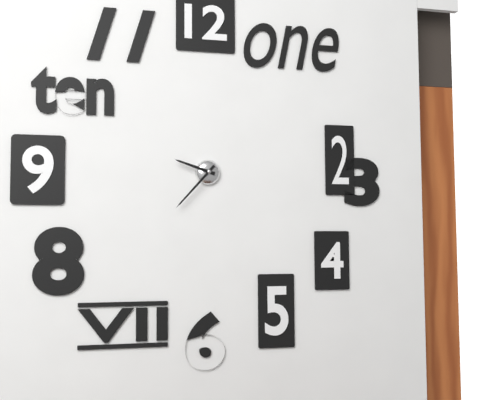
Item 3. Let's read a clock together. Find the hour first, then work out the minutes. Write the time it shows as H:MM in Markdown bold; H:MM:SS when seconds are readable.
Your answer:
**9:37**
